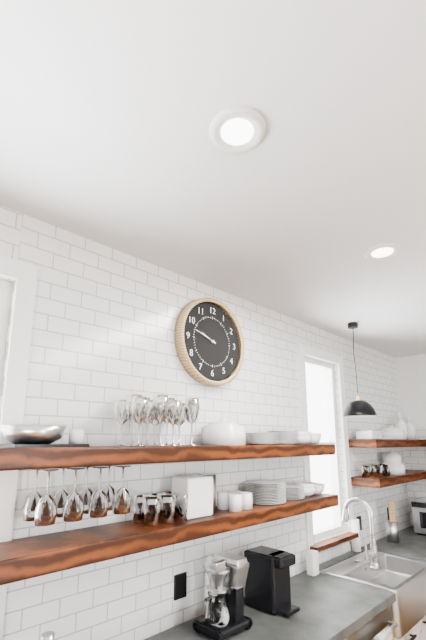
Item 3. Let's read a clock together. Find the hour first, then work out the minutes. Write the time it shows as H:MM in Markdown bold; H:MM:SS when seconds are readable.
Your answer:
**9:48**
